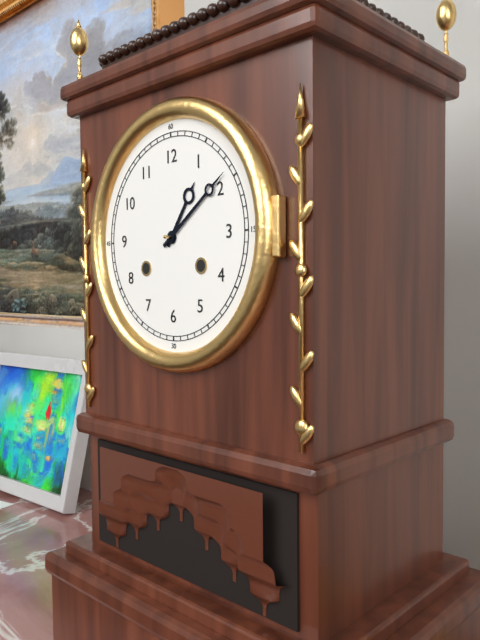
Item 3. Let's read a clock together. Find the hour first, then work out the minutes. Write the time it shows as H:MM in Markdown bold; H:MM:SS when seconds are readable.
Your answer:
**1:09**
